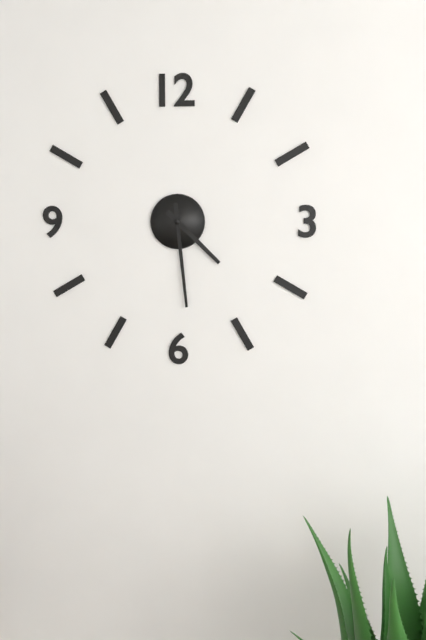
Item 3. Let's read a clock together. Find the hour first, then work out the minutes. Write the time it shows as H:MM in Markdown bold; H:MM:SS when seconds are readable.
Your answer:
**4:29**
